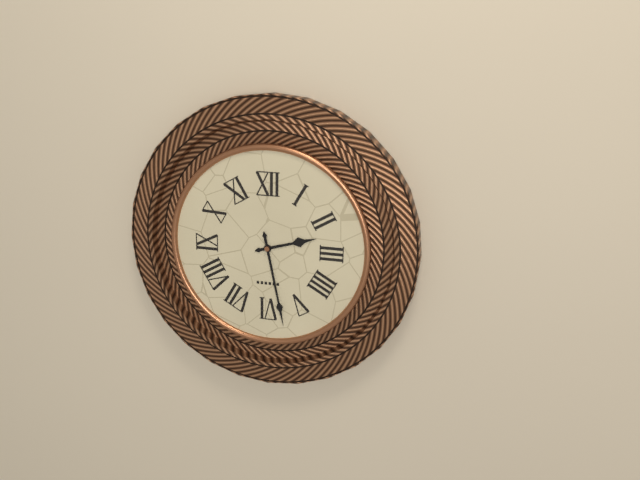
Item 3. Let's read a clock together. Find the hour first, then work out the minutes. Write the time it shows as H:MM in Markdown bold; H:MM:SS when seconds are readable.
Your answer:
**2:28**
